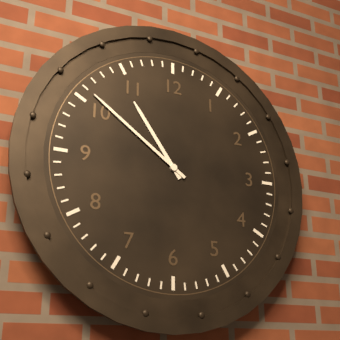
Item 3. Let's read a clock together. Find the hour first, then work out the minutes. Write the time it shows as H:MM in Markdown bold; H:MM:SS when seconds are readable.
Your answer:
**10:51**
